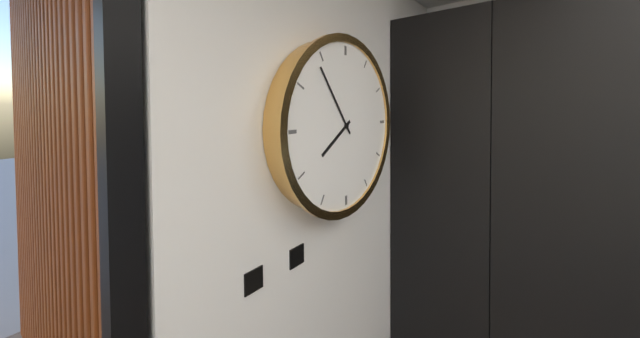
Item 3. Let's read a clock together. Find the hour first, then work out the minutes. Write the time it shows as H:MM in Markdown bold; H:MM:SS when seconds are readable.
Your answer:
**7:54**
